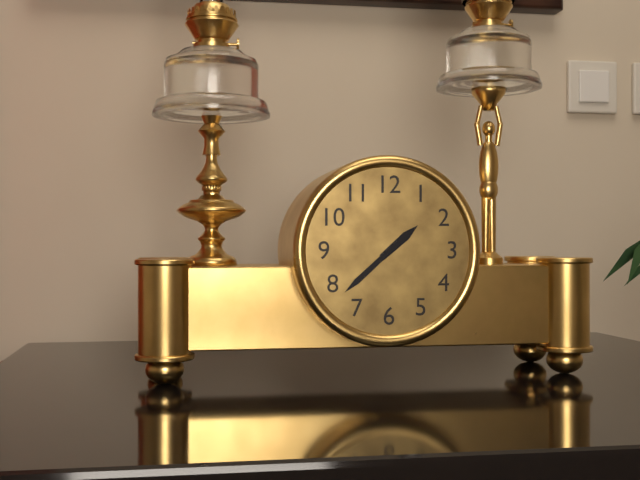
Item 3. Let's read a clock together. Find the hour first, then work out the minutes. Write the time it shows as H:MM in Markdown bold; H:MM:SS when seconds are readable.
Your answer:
**1:38**
